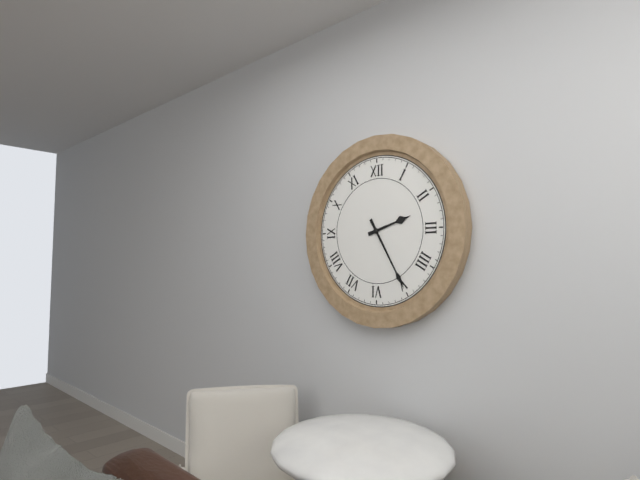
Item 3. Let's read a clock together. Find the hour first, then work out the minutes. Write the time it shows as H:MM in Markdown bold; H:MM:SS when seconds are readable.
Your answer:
**2:25**
